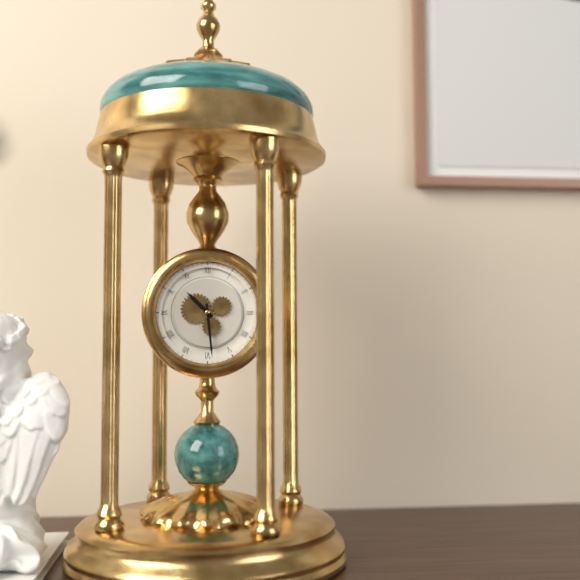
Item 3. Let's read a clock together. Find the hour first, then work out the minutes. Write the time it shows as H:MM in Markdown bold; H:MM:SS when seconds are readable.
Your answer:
**10:29**
